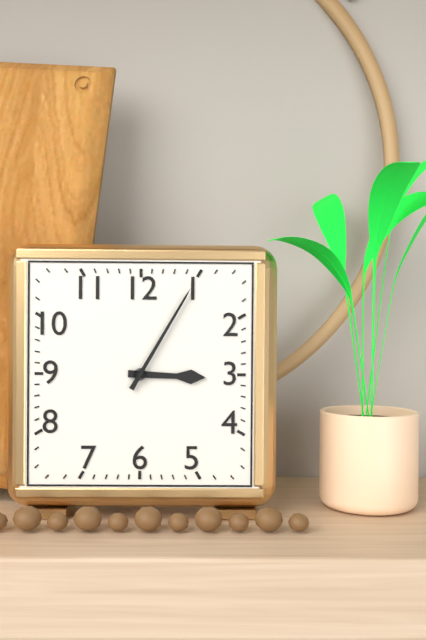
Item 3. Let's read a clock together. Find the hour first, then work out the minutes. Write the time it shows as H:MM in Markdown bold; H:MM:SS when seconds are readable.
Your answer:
**3:05**
